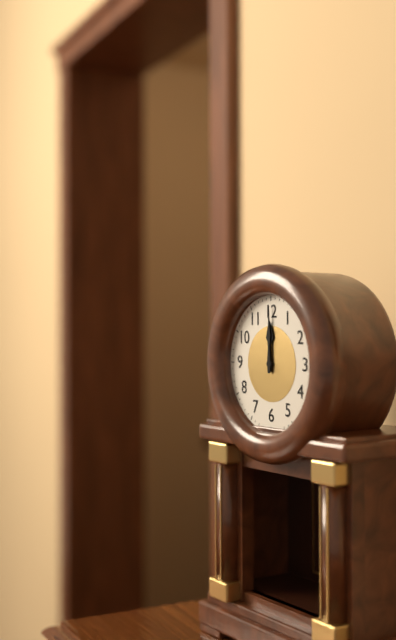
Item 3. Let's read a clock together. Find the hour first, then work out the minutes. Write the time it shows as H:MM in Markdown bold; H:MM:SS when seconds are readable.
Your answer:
**12:00**
